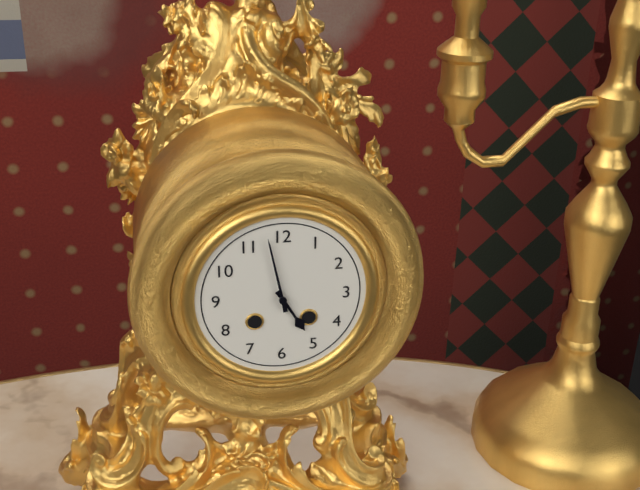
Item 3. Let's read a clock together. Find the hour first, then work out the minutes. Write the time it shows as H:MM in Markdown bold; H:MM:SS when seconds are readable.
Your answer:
**4:58**
